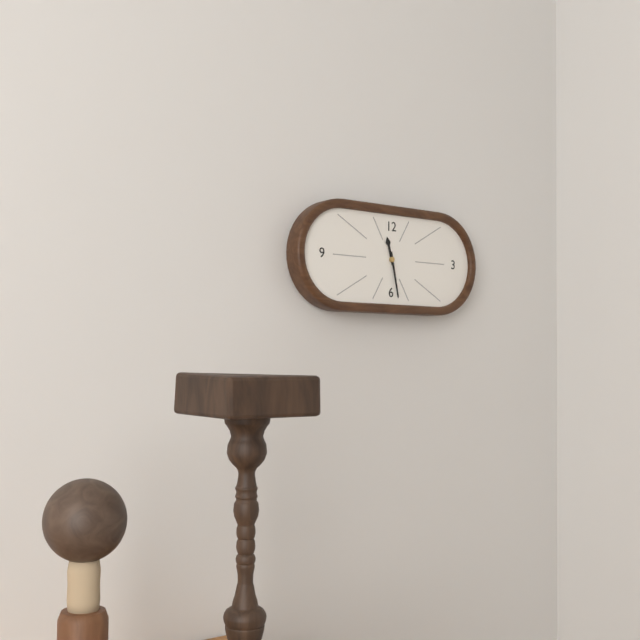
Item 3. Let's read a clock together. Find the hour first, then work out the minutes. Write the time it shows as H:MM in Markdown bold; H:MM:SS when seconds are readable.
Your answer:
**11:28**
